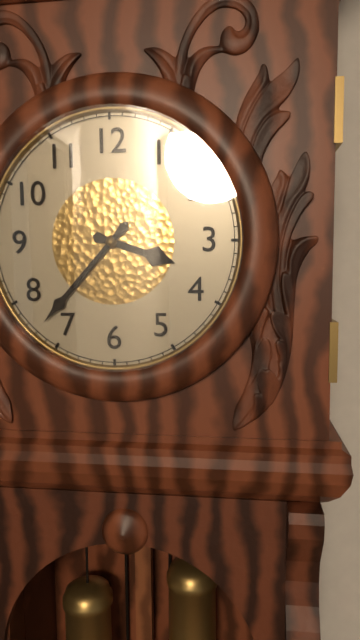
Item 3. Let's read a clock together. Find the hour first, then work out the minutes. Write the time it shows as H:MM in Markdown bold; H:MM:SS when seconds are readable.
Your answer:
**3:37**
